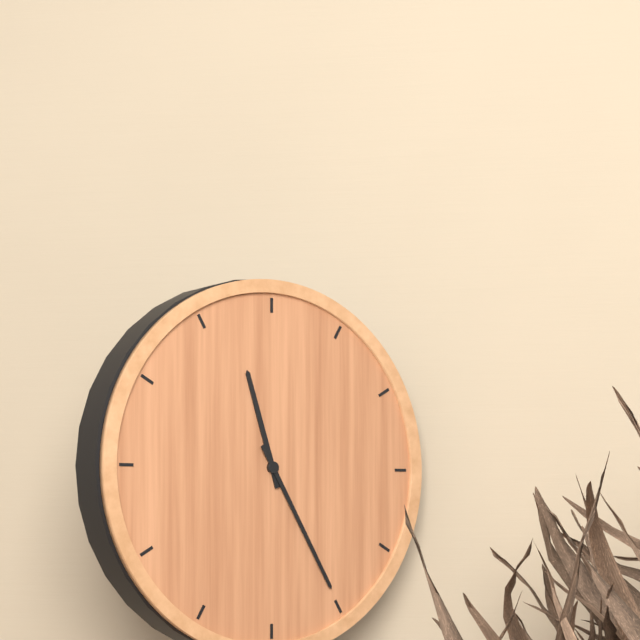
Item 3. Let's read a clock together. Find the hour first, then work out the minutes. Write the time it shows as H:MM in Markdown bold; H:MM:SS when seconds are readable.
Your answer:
**11:25**
